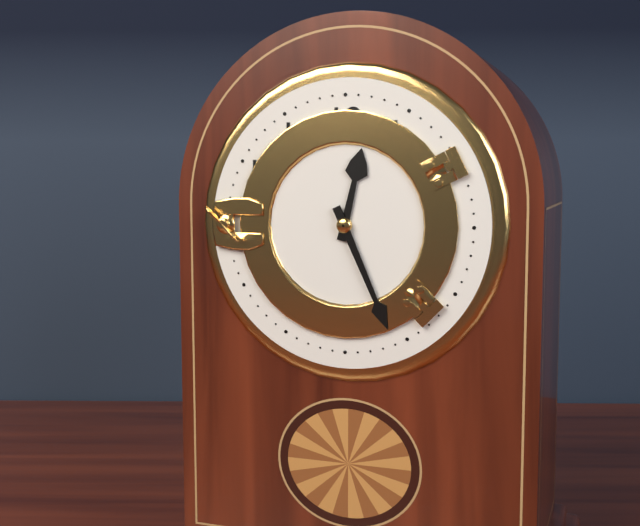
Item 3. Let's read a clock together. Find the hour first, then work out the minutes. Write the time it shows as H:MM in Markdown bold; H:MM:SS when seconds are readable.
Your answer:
**12:26**
